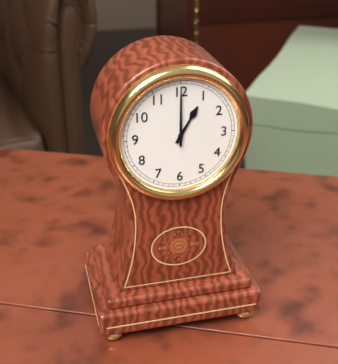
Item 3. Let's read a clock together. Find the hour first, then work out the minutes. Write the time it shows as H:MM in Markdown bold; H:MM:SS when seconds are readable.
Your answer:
**1:00**
